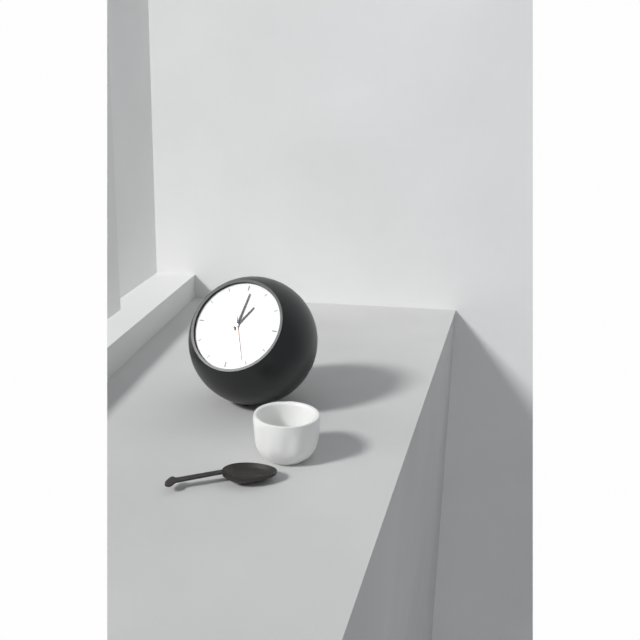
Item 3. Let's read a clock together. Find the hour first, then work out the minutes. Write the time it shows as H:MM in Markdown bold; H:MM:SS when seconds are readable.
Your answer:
**1:01**
